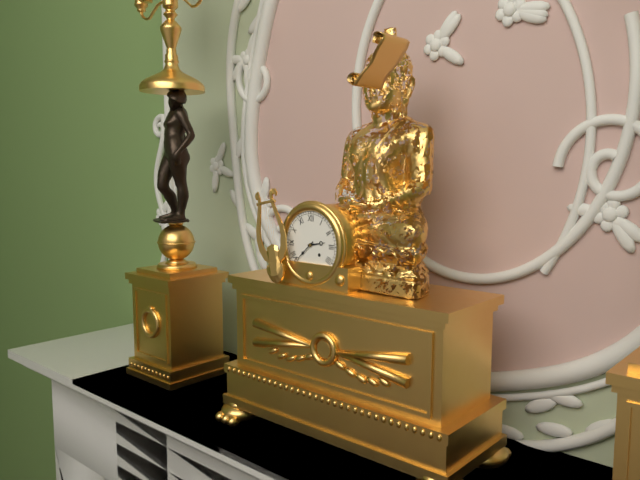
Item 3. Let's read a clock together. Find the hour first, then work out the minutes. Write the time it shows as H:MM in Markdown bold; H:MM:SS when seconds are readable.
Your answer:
**2:38**
